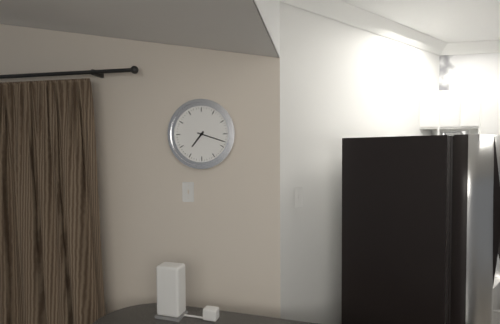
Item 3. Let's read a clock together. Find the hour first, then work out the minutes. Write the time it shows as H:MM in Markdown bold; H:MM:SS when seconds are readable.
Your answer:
**7:18**
